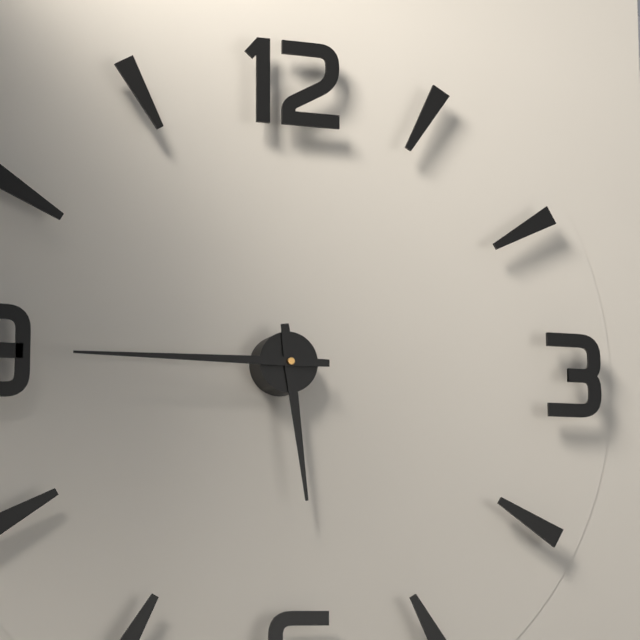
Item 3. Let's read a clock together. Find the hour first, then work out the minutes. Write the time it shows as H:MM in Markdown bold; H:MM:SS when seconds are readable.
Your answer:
**5:45**
